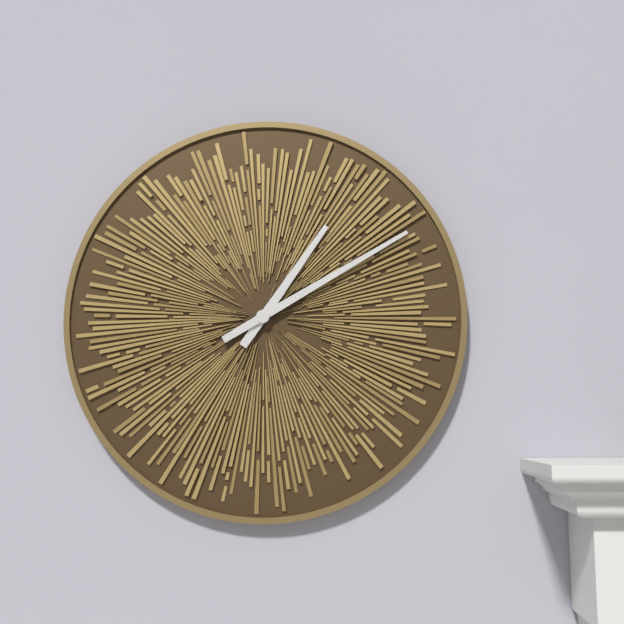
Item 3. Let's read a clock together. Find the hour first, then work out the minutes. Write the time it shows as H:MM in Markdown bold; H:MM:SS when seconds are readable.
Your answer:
**1:10**
